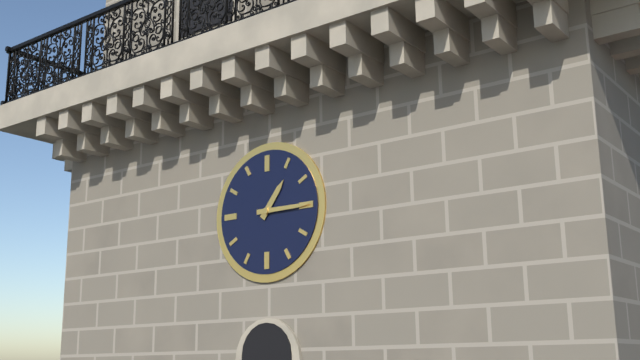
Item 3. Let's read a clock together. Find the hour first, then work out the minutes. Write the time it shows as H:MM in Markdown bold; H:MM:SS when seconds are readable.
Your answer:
**1:15**
